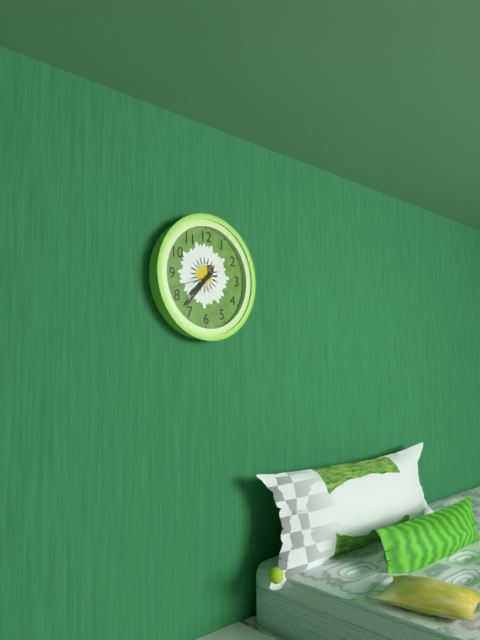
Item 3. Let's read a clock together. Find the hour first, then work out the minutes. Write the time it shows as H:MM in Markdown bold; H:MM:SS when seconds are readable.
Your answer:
**7:37**
